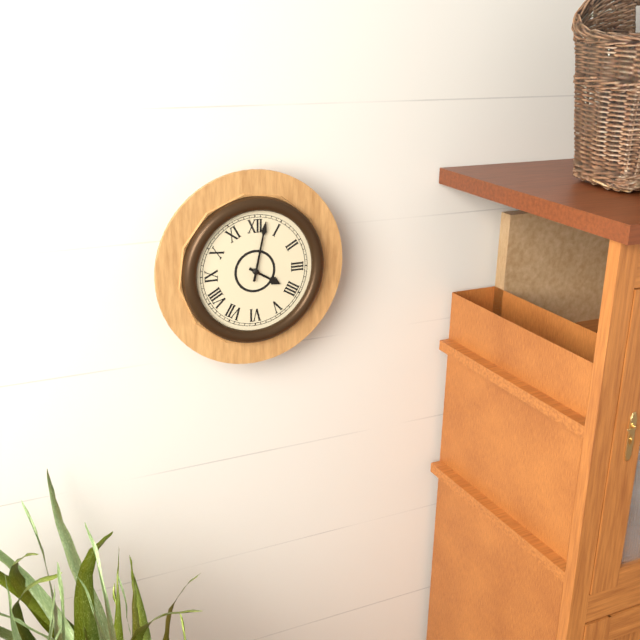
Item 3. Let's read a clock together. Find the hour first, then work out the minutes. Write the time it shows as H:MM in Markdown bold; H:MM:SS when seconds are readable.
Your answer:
**4:02**
